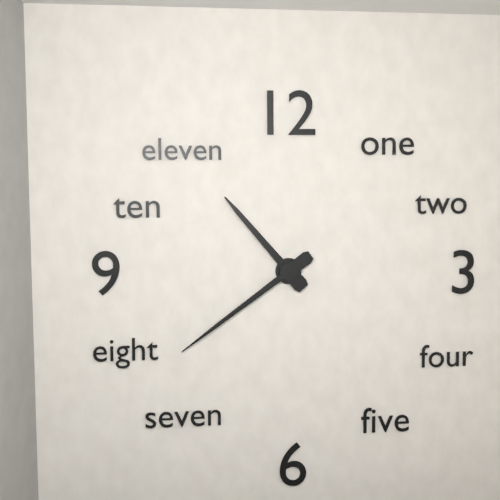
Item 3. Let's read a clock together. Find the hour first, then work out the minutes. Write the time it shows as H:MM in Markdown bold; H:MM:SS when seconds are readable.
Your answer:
**10:39**
